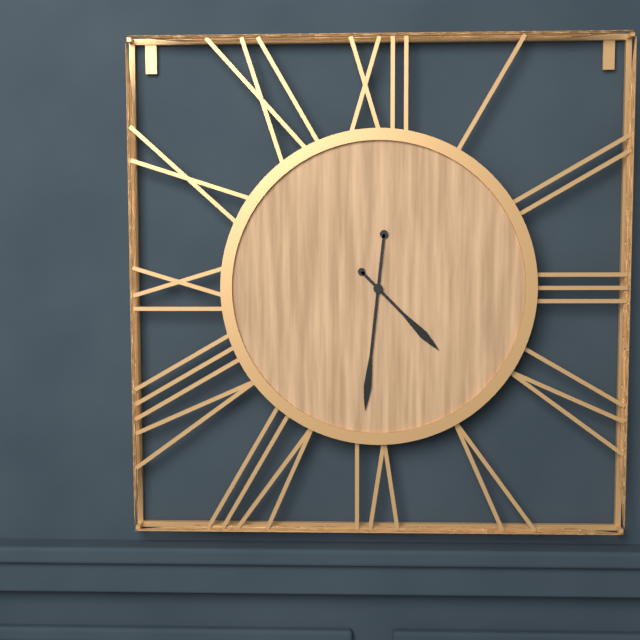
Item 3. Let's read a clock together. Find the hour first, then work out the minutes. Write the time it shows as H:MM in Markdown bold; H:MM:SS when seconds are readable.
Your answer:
**4:31**
